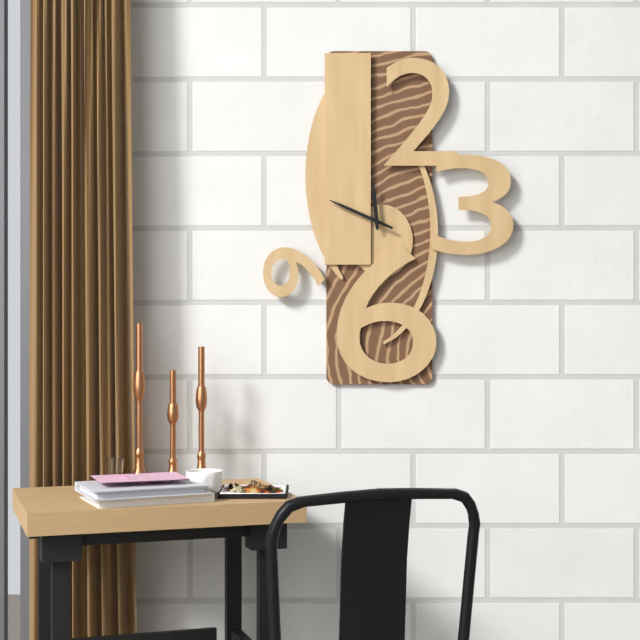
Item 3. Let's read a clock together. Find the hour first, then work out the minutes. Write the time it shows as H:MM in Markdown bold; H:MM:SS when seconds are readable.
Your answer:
**11:49**
